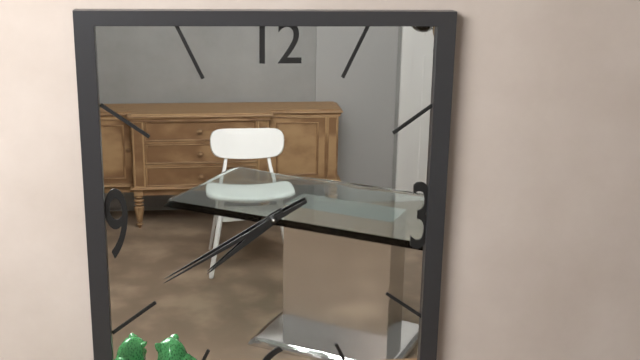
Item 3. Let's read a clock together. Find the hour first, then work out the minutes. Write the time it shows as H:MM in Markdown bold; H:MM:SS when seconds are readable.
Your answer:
**7:40**
